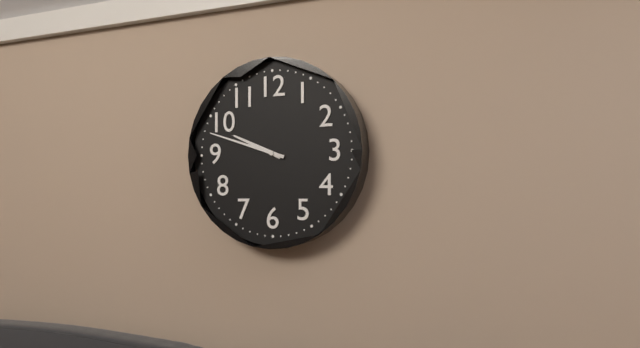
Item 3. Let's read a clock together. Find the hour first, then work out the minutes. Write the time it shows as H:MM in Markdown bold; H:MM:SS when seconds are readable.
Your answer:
**9:48**
